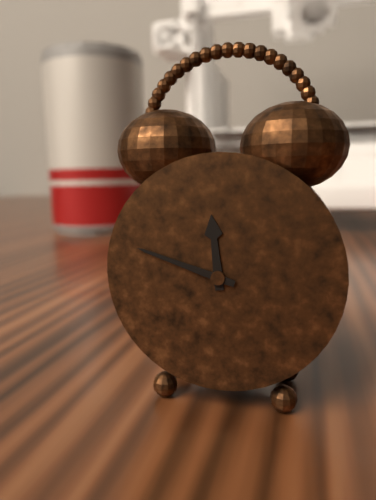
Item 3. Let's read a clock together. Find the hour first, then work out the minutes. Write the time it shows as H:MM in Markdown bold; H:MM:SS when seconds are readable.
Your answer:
**11:48**
